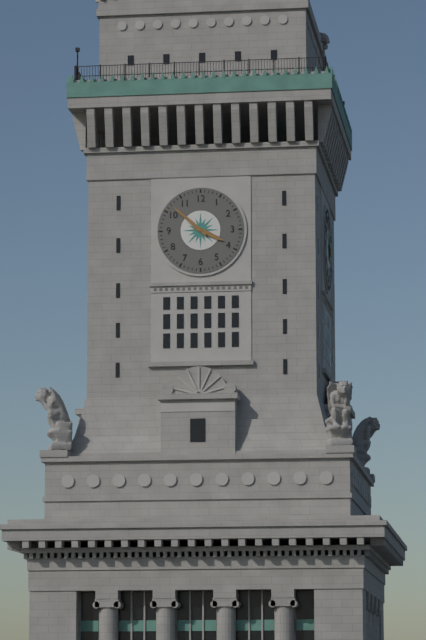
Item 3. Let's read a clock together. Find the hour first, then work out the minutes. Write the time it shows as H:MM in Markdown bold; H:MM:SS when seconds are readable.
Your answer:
**3:52**
